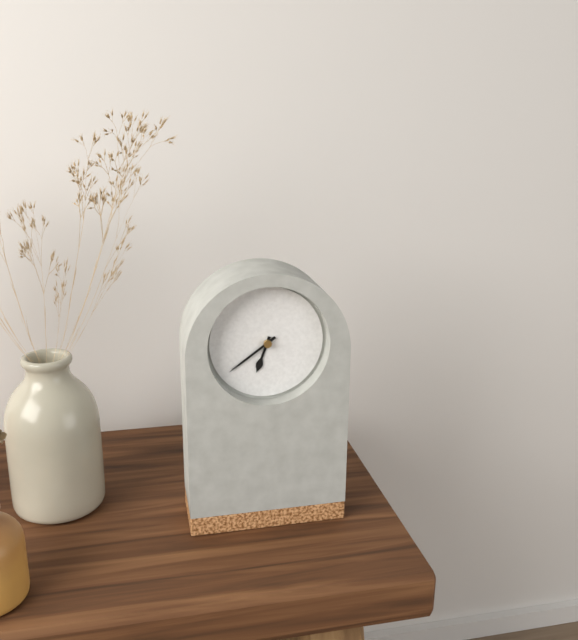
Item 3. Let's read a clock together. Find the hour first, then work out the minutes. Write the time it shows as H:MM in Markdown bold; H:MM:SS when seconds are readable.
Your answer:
**6:39**
